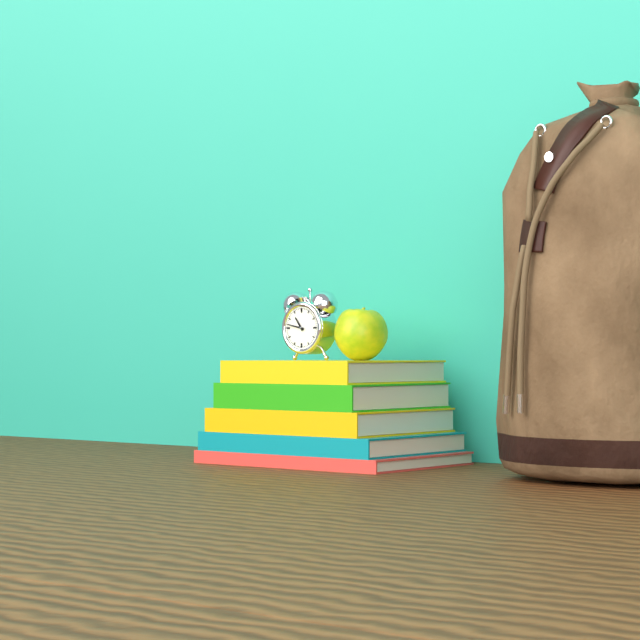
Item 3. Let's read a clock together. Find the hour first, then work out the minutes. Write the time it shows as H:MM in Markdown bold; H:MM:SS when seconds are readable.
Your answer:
**10:47**
